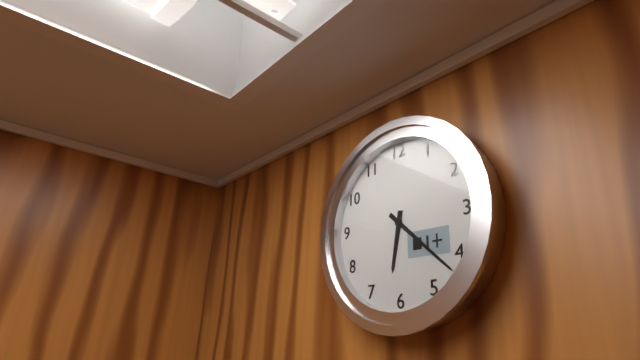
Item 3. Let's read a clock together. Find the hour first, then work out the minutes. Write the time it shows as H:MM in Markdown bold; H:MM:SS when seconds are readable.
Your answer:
**6:22**
